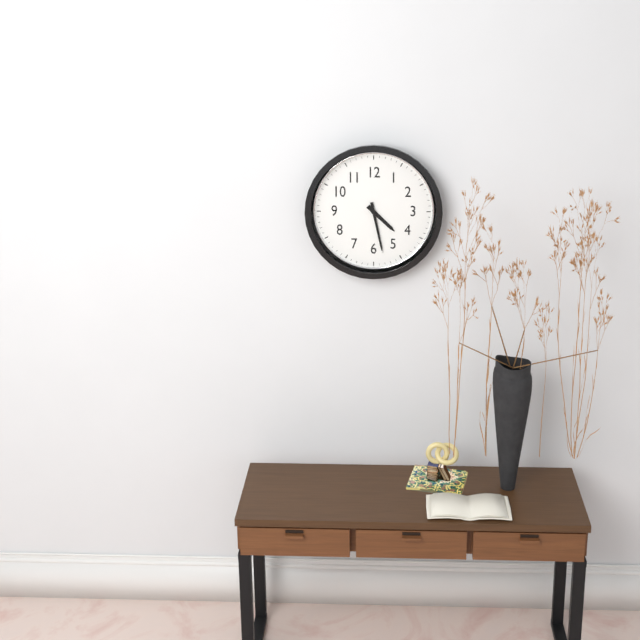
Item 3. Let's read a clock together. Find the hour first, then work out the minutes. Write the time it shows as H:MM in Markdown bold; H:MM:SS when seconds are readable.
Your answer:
**4:28**
